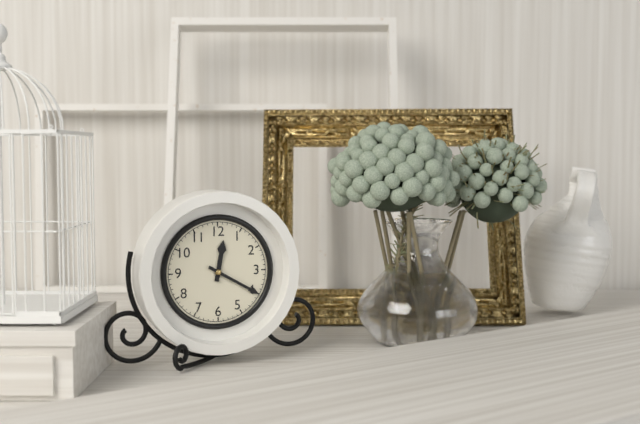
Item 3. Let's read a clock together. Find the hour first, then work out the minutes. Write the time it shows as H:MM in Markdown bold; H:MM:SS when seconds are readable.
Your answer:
**12:20**
